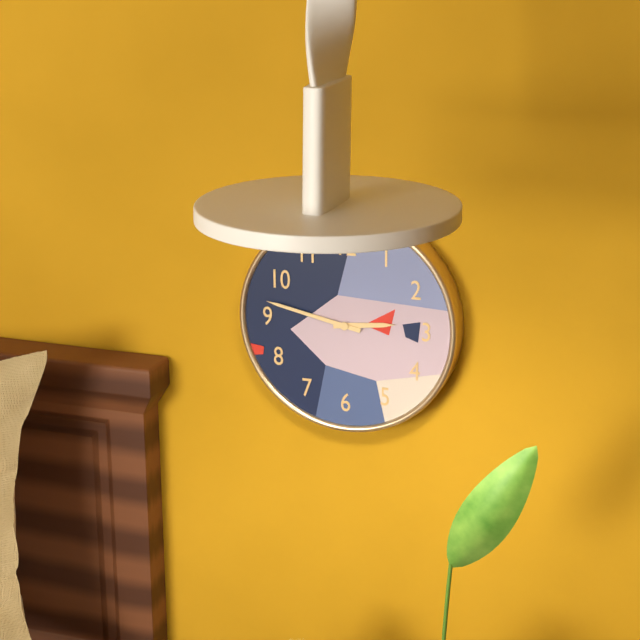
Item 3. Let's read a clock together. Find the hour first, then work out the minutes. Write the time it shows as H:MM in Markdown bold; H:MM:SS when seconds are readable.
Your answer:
**2:47**
